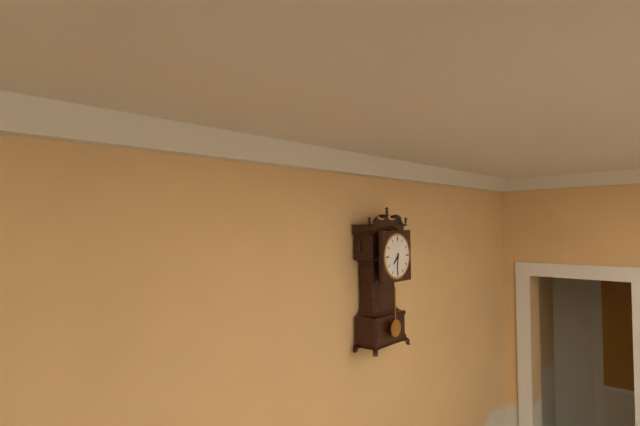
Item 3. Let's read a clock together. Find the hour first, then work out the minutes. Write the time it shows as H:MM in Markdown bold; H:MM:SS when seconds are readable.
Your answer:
**7:31**
